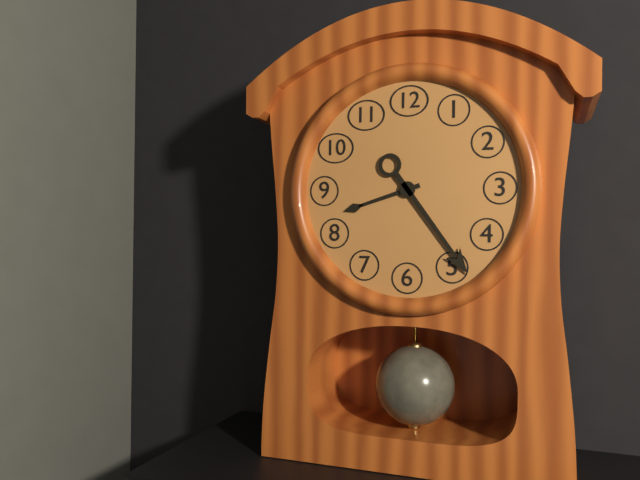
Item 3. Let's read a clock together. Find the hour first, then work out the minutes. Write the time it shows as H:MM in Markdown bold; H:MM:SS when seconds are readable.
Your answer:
**8:24**
